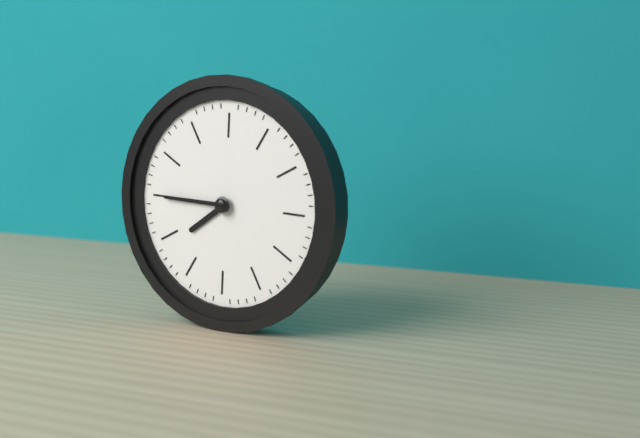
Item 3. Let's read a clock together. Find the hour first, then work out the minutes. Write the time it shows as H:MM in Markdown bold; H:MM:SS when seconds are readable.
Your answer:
**7:45**
